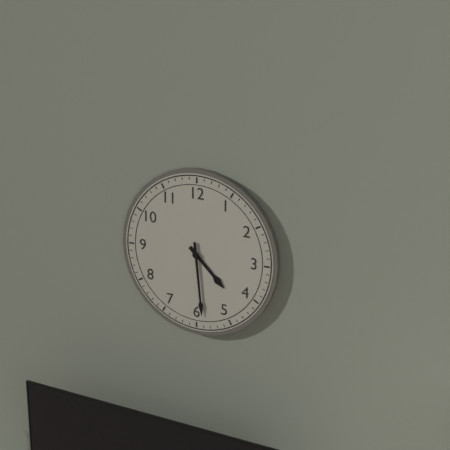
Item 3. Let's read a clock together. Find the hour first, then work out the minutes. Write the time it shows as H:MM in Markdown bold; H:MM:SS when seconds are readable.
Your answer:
**4:29**
